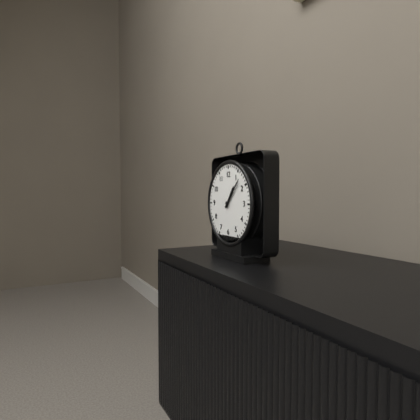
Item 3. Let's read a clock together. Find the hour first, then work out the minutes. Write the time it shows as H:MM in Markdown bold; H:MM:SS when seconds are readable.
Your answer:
**1:07**
